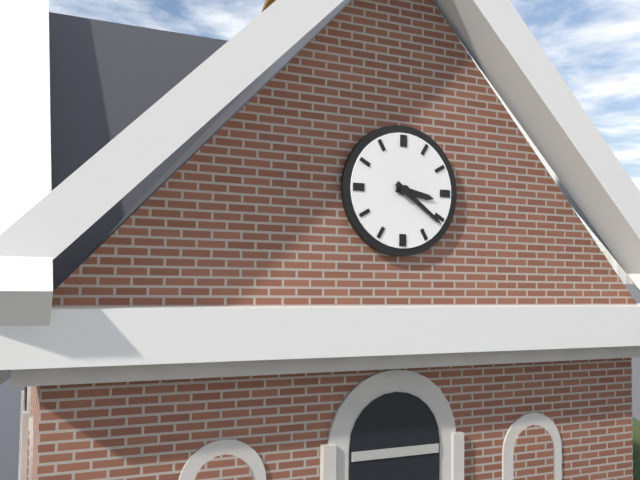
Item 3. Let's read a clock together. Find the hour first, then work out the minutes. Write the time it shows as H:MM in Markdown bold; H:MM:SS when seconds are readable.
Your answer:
**3:21**
